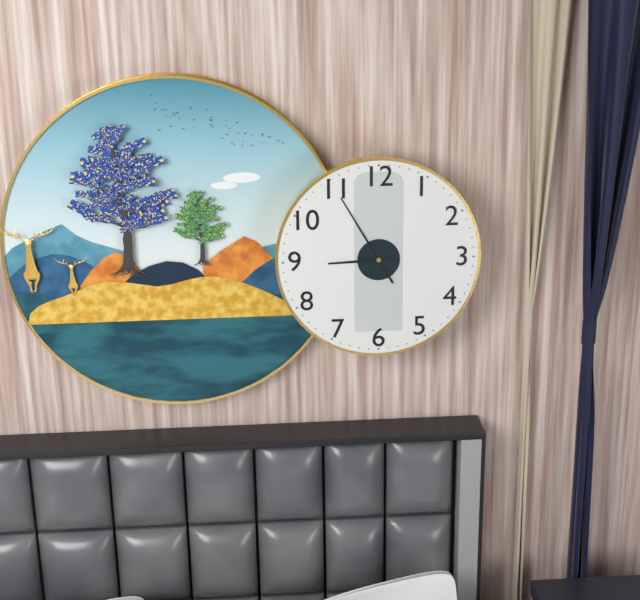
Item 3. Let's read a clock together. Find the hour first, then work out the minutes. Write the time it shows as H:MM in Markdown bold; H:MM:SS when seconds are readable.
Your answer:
**8:55**
